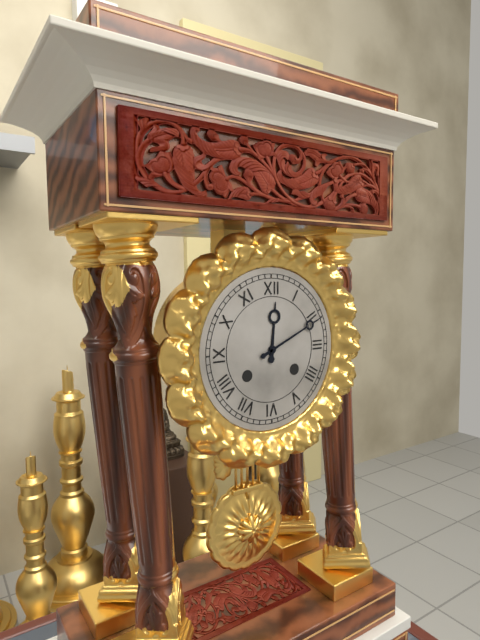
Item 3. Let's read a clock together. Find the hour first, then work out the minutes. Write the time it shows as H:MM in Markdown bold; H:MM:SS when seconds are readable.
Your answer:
**12:11**
